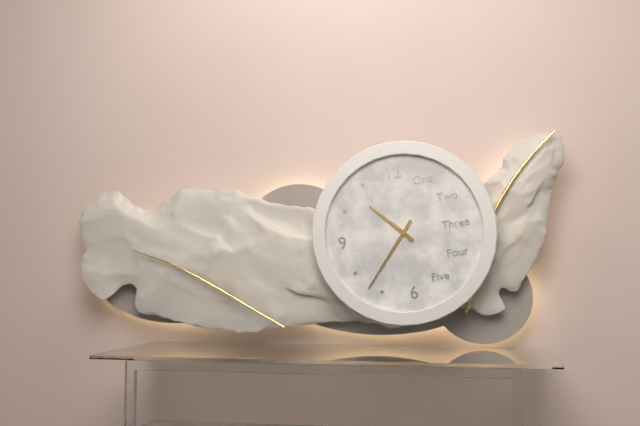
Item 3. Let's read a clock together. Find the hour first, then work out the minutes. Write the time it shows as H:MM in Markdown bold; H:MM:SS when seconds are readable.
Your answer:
**10:37**
